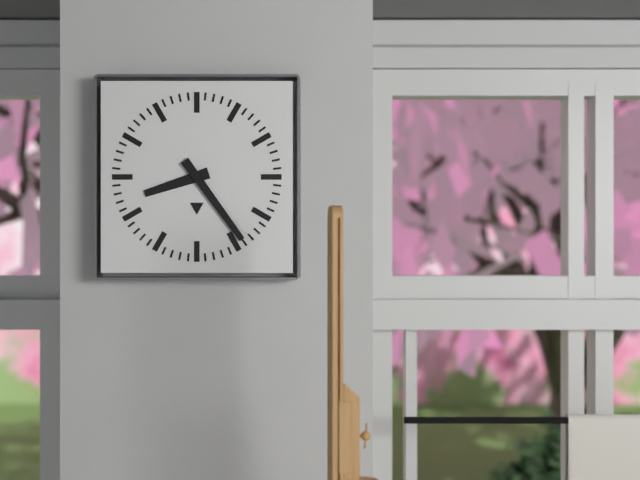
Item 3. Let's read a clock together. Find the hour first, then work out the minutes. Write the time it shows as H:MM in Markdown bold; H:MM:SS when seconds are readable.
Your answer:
**8:24**
